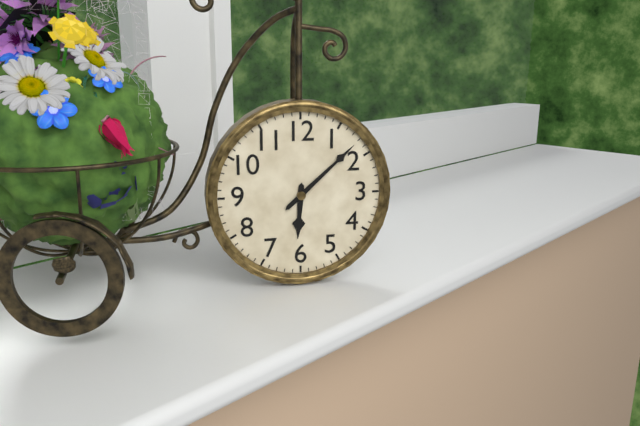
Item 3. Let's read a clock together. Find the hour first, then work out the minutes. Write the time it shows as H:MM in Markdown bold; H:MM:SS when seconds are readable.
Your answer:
**6:08**
